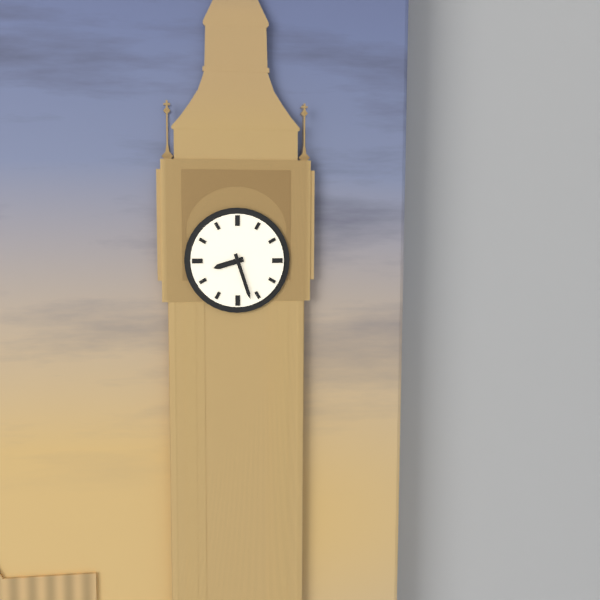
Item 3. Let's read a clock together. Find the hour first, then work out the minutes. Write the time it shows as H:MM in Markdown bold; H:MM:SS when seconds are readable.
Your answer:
**8:27**
